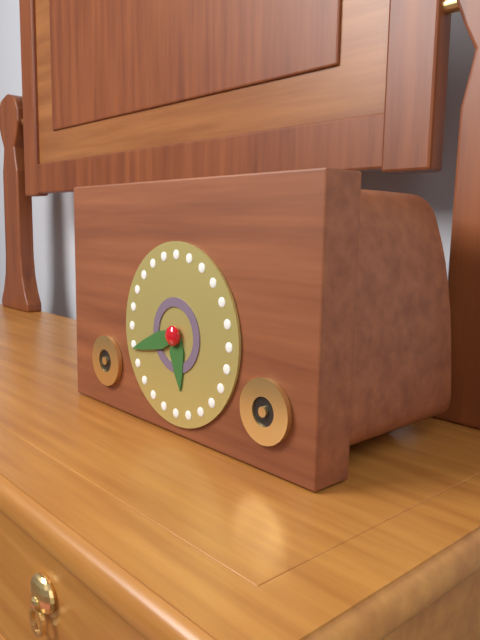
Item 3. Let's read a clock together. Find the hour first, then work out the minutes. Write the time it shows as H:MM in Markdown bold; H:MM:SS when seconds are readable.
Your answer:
**5:42**
